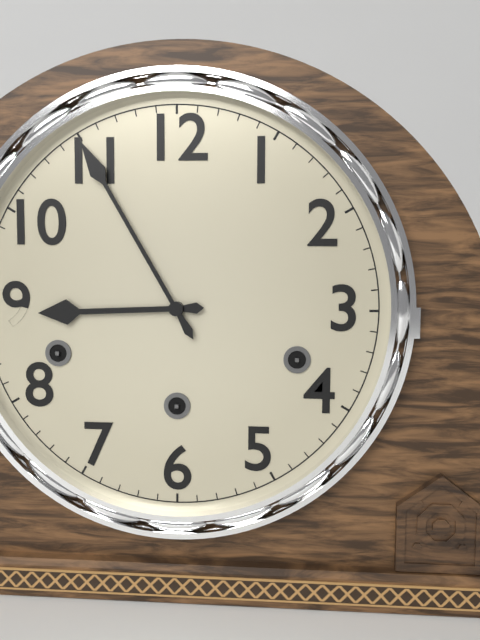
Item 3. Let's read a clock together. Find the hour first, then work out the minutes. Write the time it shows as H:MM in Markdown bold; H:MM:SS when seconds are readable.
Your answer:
**8:55**
